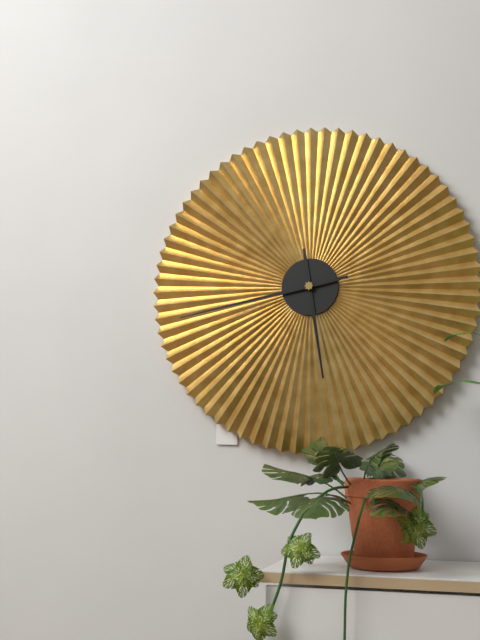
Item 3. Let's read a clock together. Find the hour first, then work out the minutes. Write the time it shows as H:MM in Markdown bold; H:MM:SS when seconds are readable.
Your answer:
**5:43**
